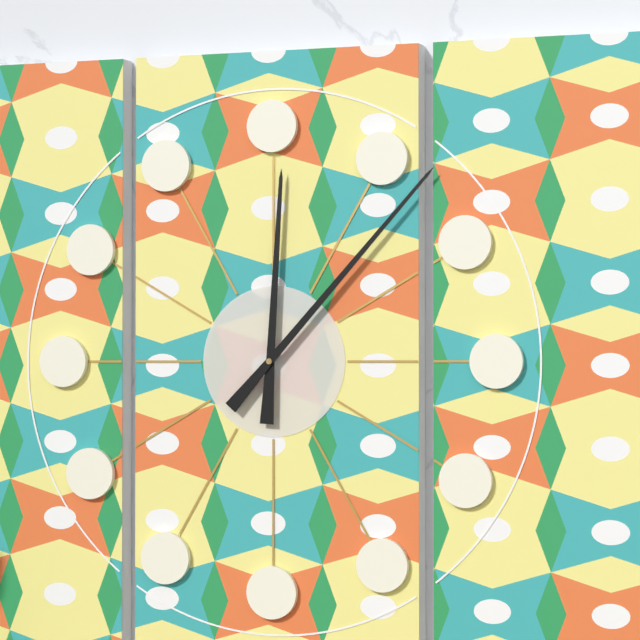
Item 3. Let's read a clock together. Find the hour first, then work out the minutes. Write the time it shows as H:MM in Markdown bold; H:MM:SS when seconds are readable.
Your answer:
**12:07**
